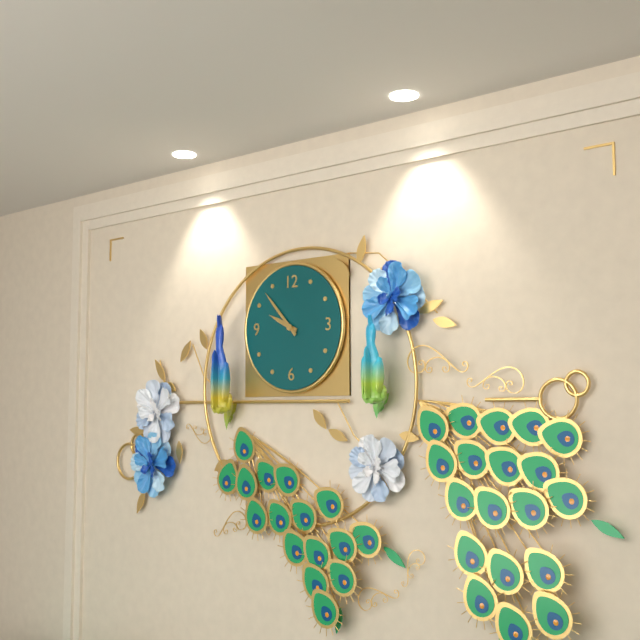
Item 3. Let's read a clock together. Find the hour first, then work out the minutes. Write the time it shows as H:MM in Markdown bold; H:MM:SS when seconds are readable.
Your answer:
**9:53**
